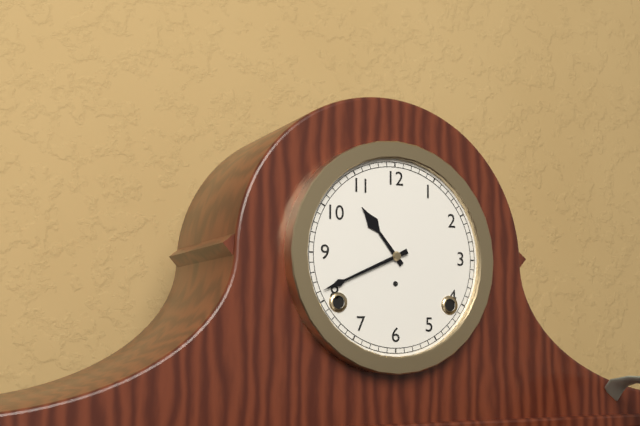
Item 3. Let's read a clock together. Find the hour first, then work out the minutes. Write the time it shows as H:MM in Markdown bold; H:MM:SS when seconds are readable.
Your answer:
**10:41**
